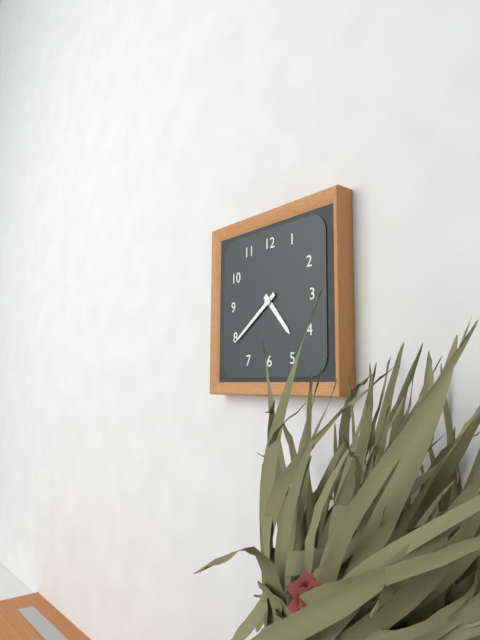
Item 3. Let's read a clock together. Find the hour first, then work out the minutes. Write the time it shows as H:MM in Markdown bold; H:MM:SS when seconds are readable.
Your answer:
**4:39**
